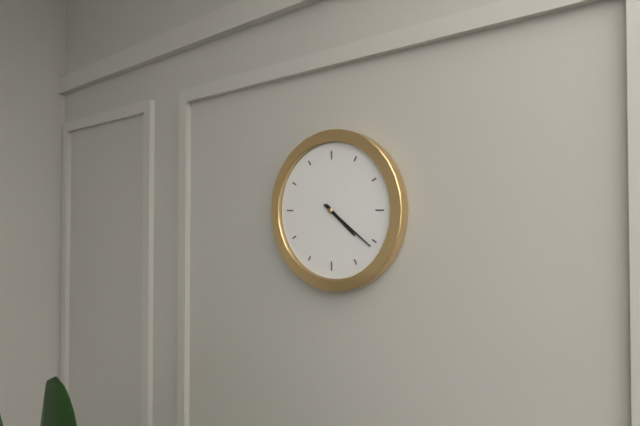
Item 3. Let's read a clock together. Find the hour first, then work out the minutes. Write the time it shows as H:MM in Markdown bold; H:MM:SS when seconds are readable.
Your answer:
**4:21**
